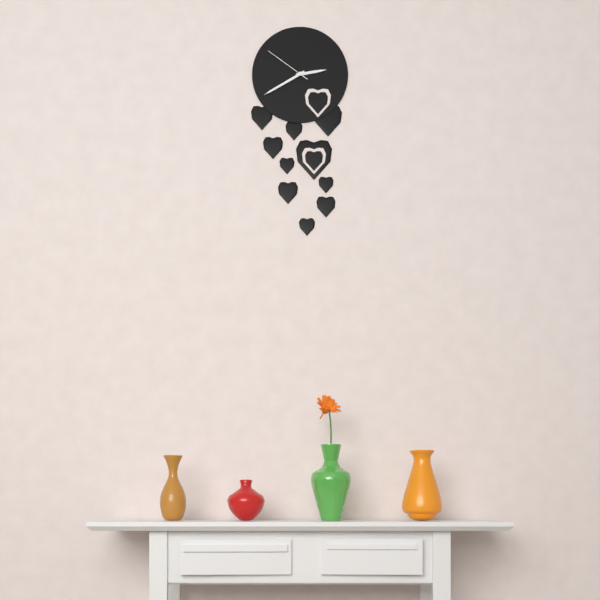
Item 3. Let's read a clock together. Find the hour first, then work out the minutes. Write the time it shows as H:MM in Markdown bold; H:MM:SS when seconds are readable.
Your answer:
**2:40**
